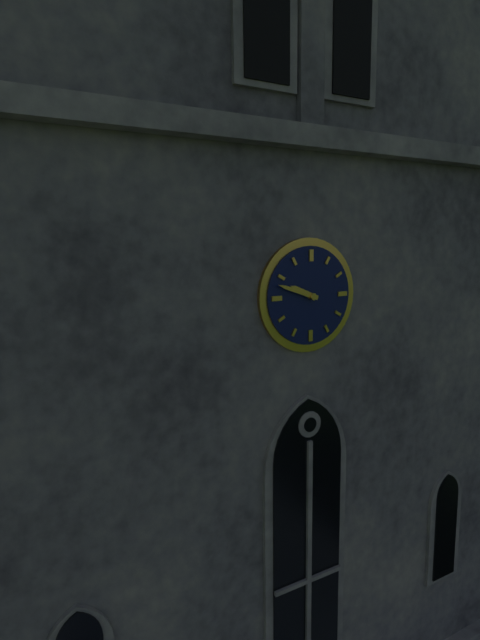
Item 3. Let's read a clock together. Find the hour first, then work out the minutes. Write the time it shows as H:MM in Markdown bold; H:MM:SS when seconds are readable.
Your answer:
**9:48**
